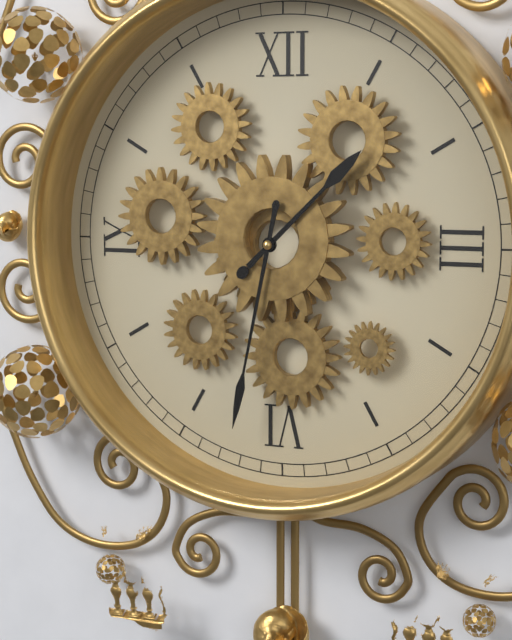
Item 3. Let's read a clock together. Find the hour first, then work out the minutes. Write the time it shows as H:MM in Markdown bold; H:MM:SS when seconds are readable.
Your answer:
**1:32**
